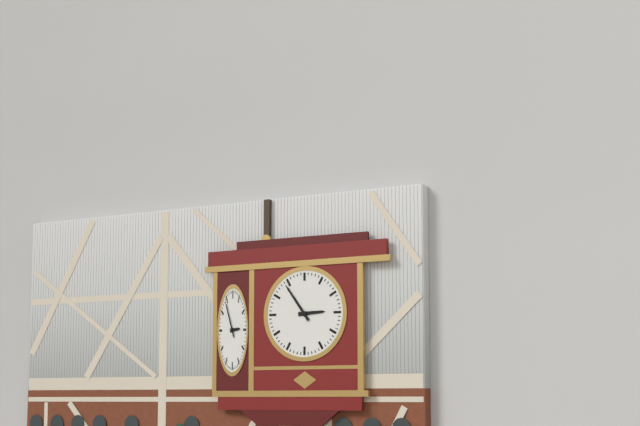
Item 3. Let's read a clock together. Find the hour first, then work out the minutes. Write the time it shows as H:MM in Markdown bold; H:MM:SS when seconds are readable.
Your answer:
**2:54**
